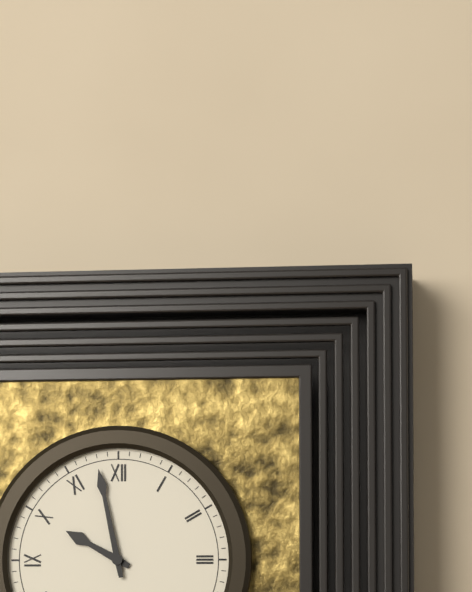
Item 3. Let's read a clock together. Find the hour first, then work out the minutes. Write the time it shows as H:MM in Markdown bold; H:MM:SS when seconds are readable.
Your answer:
**9:58**
